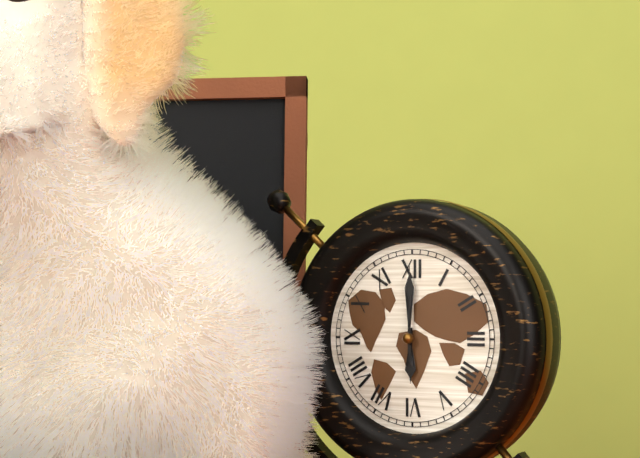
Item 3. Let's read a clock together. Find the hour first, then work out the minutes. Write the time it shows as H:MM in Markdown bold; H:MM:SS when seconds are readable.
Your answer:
**6:00**
